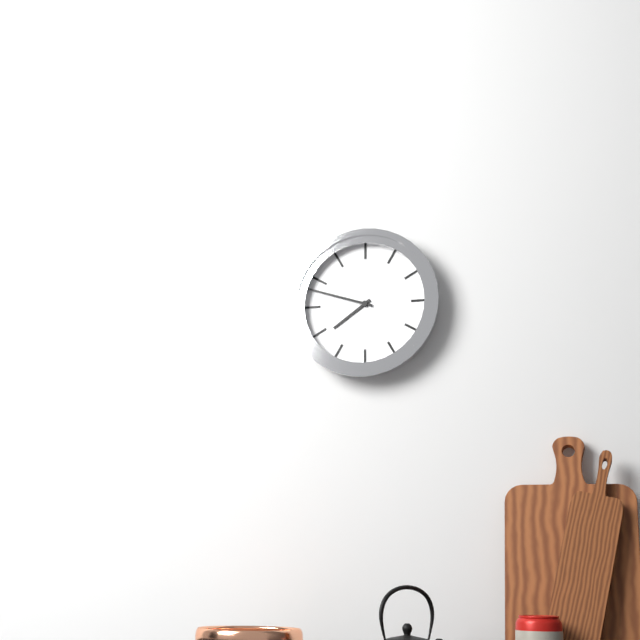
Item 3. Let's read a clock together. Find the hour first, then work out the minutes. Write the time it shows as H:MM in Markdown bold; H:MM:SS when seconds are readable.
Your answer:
**7:48**
